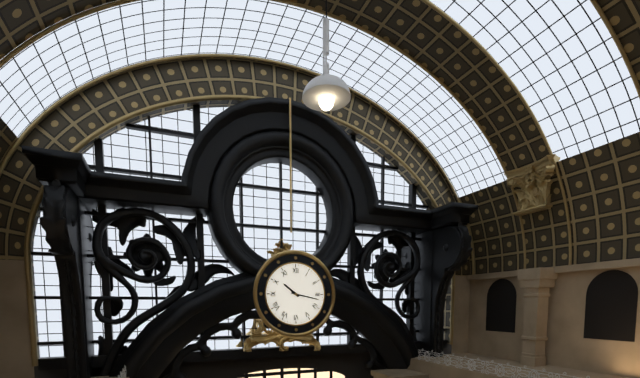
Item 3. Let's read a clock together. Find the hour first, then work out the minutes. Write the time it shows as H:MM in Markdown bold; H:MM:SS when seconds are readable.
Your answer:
**10:17**
